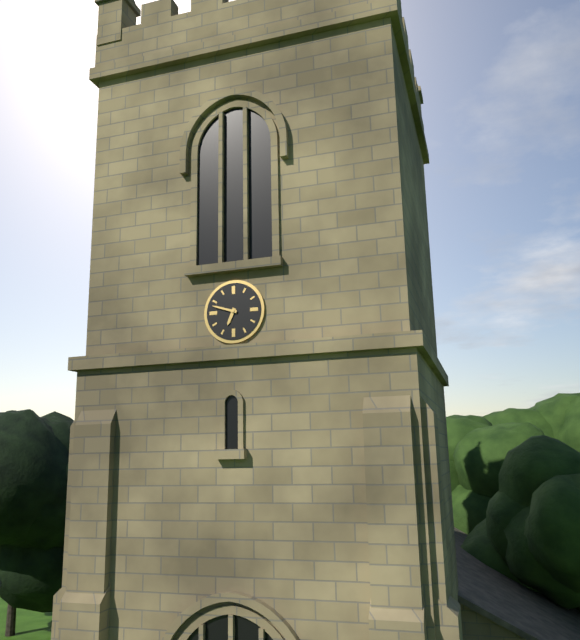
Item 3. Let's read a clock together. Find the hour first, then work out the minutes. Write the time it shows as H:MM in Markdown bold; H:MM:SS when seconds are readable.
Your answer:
**6:48**
